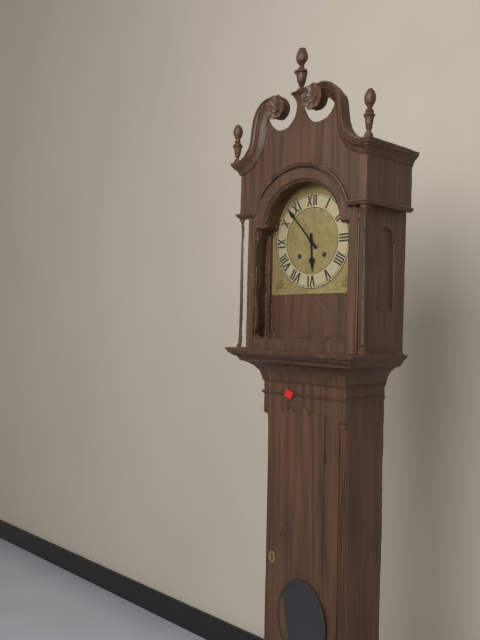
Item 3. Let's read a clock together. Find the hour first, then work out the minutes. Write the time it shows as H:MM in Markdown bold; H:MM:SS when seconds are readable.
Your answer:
**5:53**
